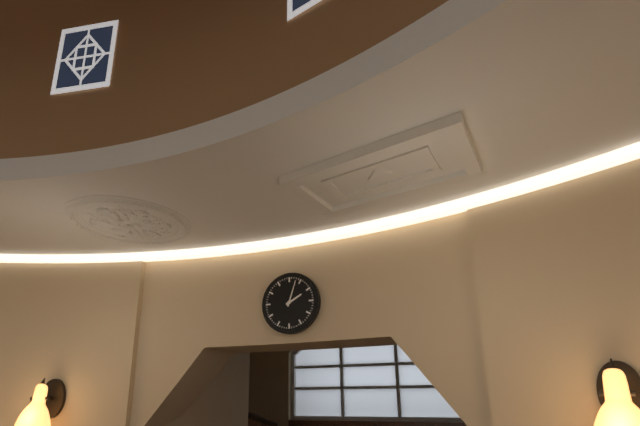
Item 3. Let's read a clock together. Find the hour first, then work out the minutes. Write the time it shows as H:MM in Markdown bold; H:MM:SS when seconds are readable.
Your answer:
**2:03**
